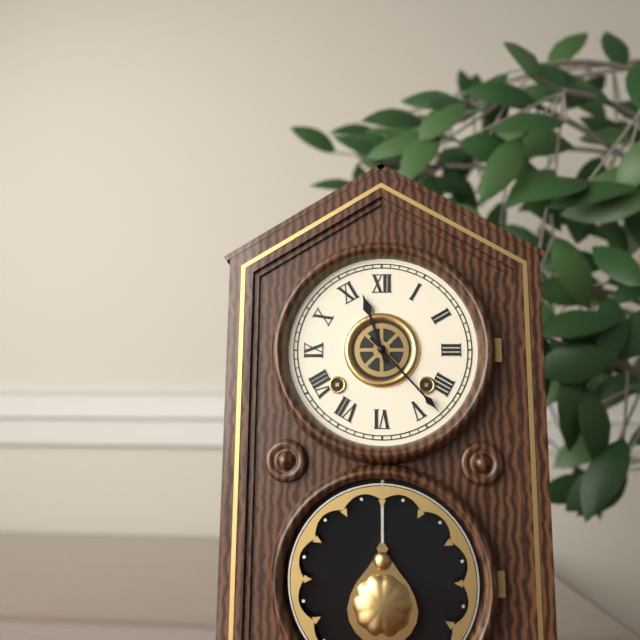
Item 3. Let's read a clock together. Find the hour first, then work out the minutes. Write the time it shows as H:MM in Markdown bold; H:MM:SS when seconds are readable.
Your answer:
**11:23**
